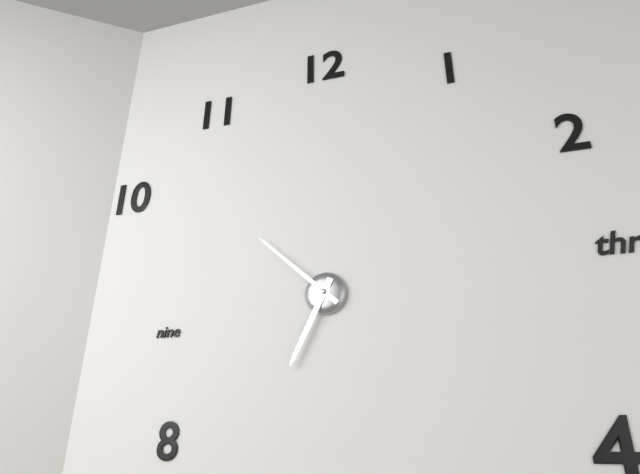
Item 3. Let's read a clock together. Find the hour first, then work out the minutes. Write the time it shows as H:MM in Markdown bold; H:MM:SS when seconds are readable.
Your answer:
**6:52**
